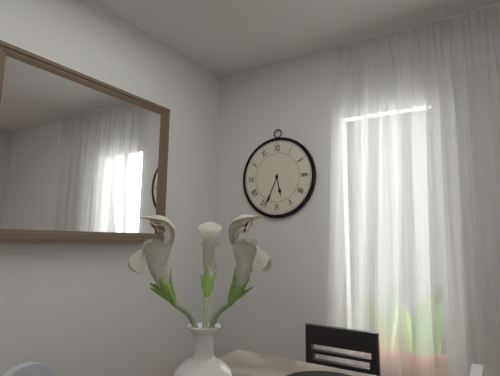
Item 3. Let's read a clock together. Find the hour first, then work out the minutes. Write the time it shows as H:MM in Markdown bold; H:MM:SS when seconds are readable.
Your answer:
**5:34**
